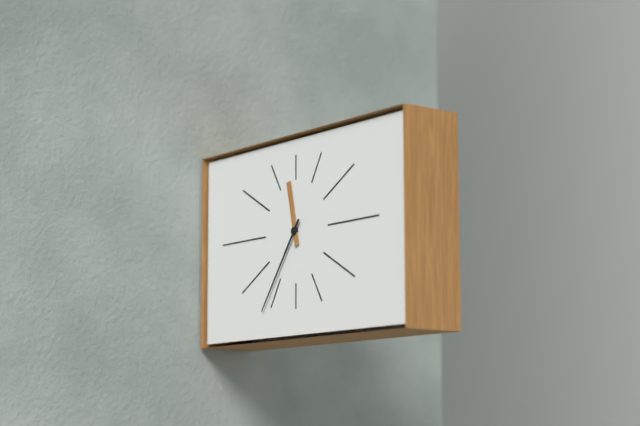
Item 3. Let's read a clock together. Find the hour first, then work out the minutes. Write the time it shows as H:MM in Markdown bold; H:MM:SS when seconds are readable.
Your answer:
**11:36**
